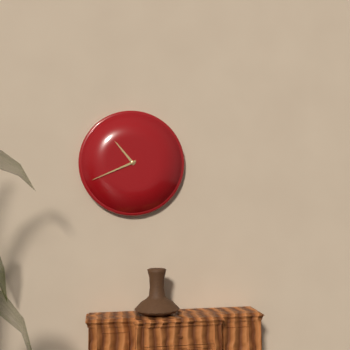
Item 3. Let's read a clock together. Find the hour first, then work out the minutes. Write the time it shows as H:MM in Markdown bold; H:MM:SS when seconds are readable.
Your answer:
**10:41**
